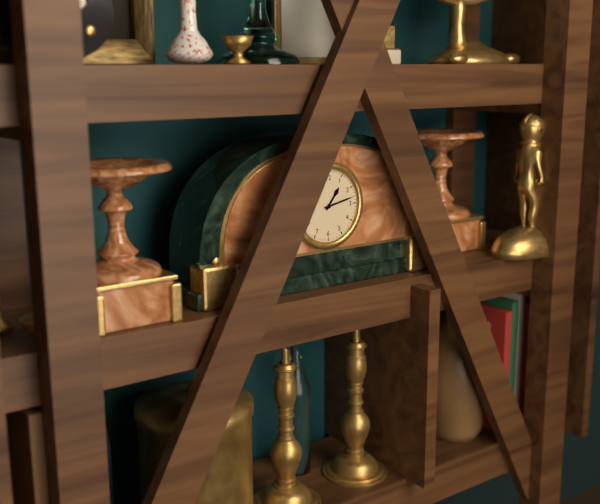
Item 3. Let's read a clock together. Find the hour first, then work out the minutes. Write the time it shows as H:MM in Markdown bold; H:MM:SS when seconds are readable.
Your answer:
**1:13**
